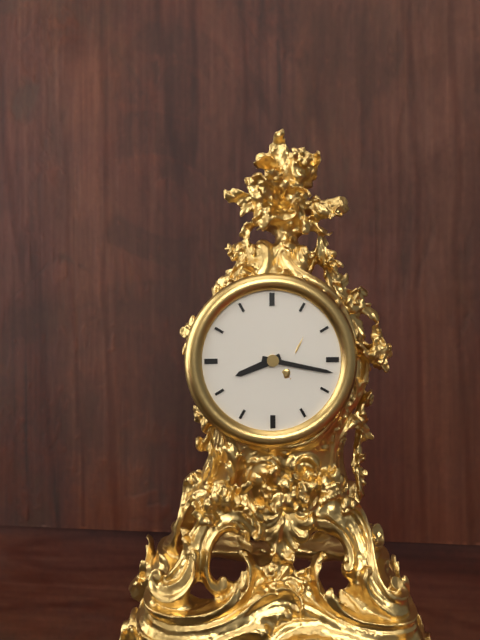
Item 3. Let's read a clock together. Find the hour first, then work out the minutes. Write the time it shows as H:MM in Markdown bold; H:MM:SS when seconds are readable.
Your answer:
**8:17**
